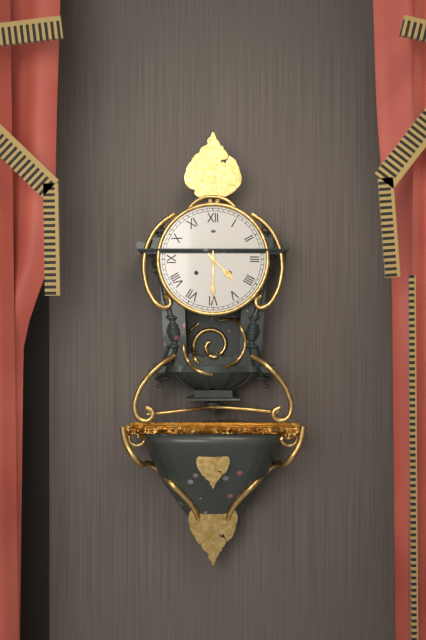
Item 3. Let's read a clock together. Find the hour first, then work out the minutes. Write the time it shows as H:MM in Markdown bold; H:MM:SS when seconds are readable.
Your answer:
**4:30**
